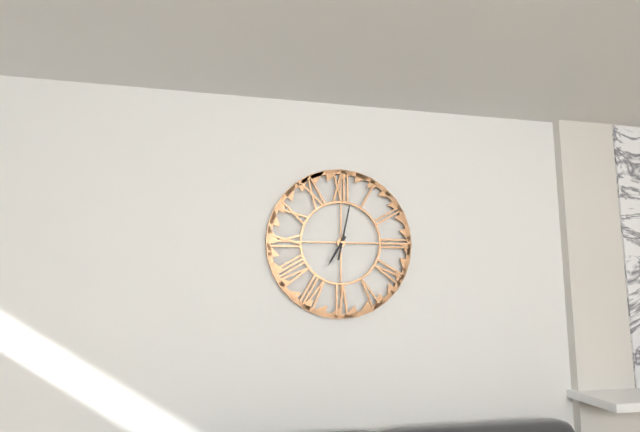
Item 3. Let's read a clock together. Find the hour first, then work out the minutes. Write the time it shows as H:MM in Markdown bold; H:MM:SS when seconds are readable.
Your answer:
**7:02**
